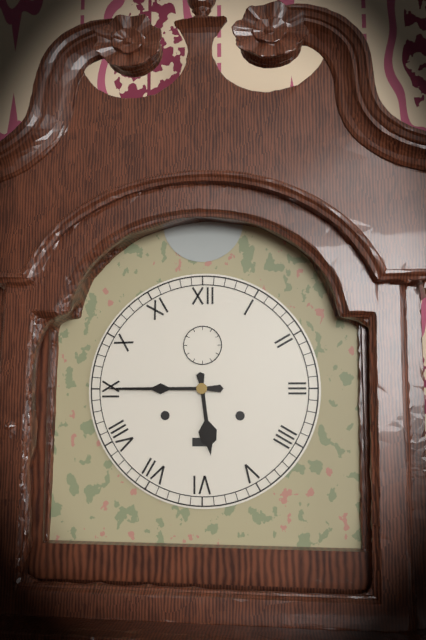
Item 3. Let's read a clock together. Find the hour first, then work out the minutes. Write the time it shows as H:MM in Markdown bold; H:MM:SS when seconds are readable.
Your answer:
**5:45**
